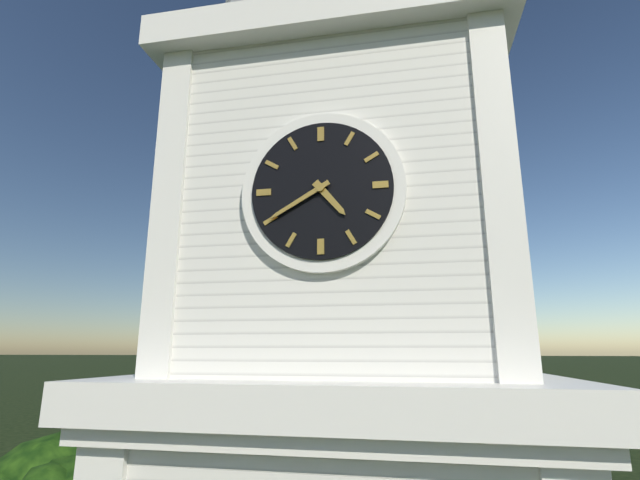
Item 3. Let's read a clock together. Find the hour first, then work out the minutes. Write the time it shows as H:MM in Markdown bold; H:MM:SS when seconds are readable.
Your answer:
**4:40**
